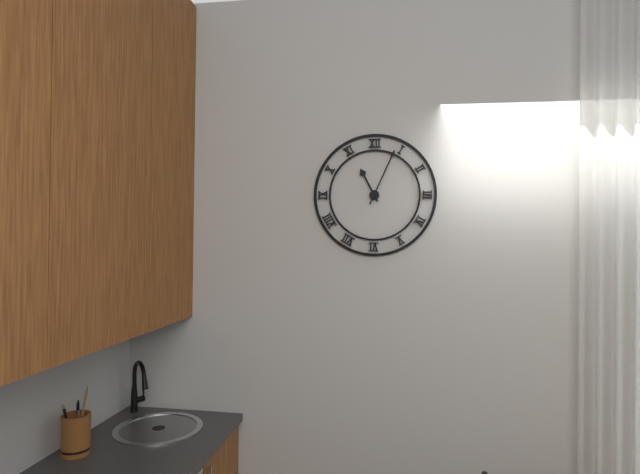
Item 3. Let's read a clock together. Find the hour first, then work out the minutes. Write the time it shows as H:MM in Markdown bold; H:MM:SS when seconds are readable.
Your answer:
**11:04**
